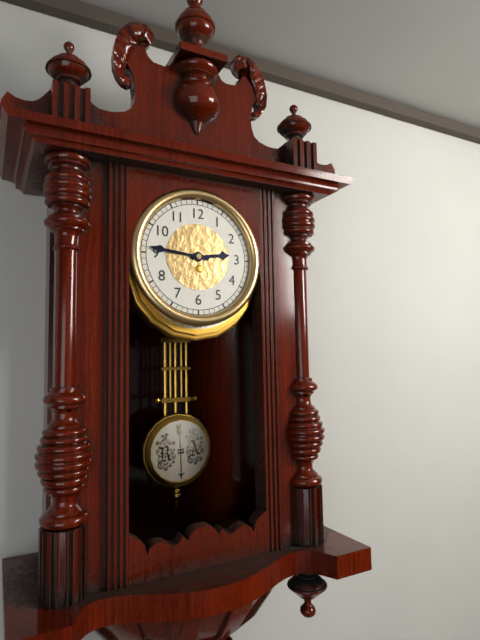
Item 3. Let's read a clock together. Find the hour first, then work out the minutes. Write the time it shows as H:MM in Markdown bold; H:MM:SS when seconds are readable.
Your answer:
**2:46**
